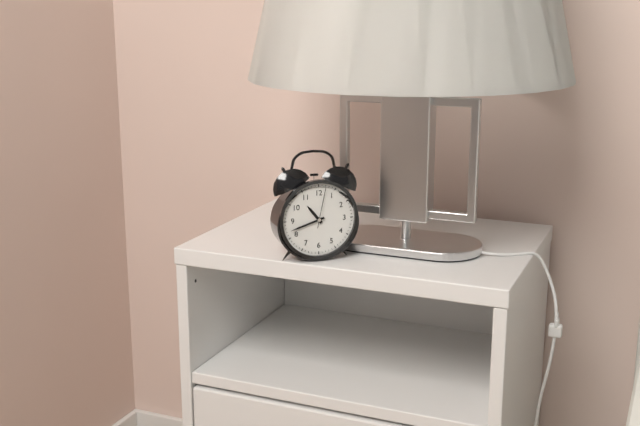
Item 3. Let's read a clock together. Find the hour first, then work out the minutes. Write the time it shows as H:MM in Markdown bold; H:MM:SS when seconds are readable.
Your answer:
**10:42**
